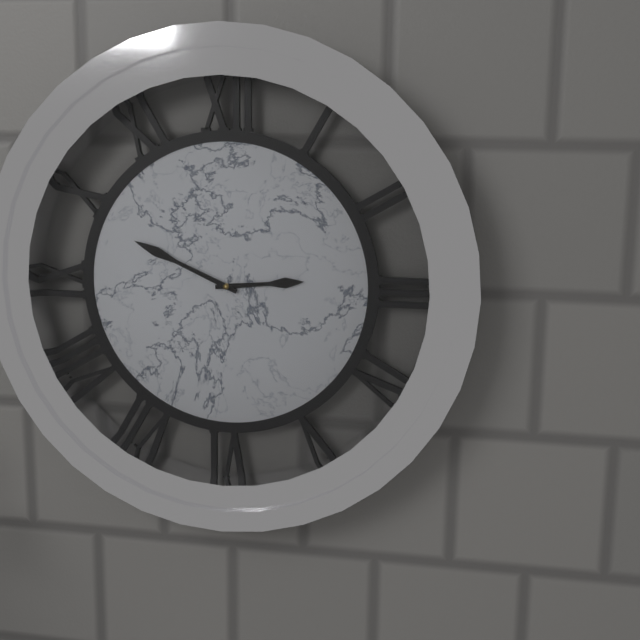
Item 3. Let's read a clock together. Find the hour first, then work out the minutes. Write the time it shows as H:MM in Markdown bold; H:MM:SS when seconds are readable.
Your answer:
**2:49**
